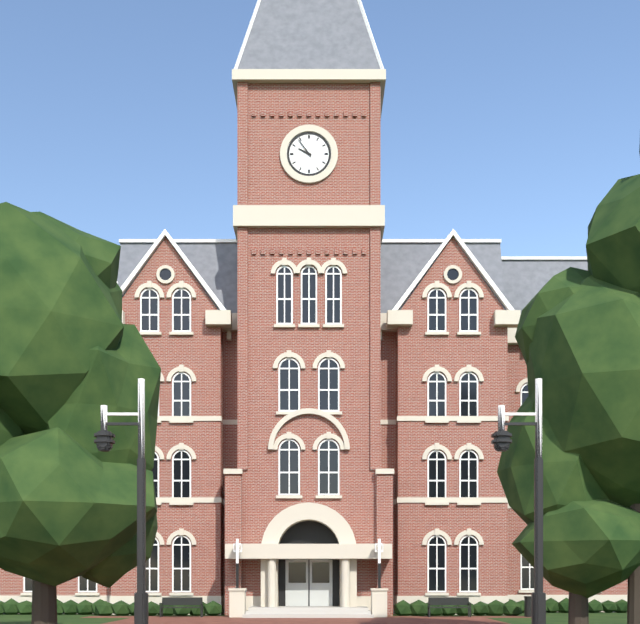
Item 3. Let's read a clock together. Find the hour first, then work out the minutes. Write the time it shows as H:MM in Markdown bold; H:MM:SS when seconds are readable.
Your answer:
**9:54**
